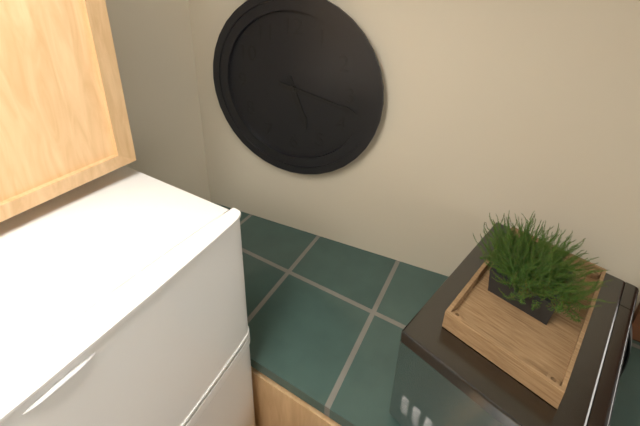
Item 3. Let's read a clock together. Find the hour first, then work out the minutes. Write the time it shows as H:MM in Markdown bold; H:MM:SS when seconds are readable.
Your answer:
**5:17**
